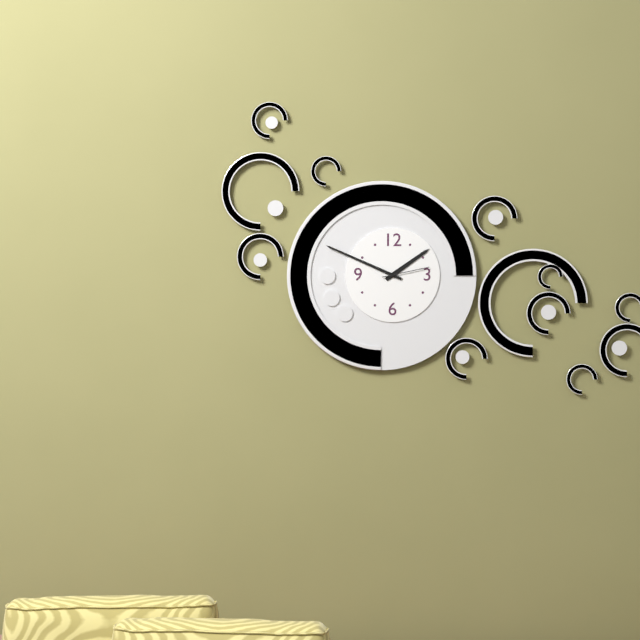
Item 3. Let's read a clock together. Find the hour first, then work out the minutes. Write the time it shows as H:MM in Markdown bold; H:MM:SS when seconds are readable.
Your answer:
**1:49**
